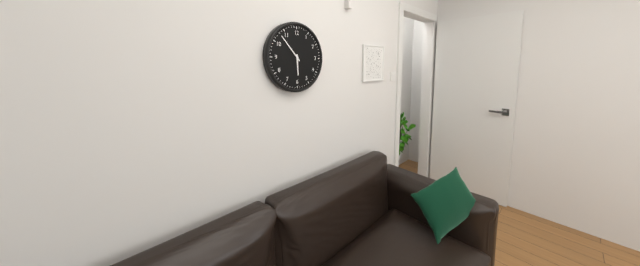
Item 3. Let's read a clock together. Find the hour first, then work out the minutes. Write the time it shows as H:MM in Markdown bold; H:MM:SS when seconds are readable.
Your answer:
**5:53**
